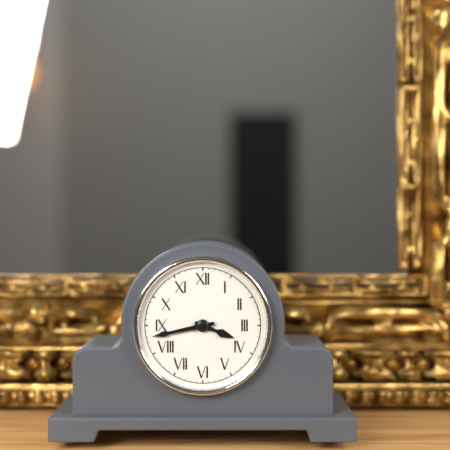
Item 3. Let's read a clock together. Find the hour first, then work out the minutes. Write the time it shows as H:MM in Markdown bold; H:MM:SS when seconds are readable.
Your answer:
**3:43**
